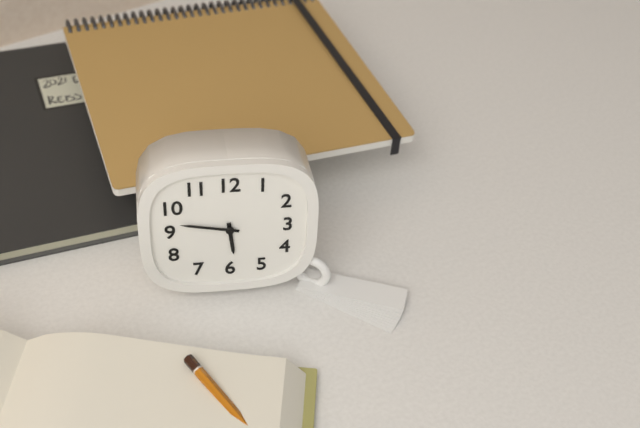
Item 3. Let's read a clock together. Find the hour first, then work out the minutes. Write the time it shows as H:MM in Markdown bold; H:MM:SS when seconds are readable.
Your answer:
**5:47**
